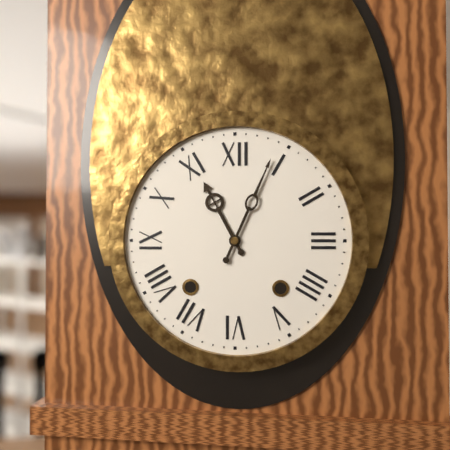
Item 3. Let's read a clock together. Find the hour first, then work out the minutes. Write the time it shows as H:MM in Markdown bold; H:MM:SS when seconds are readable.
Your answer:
**11:04**
